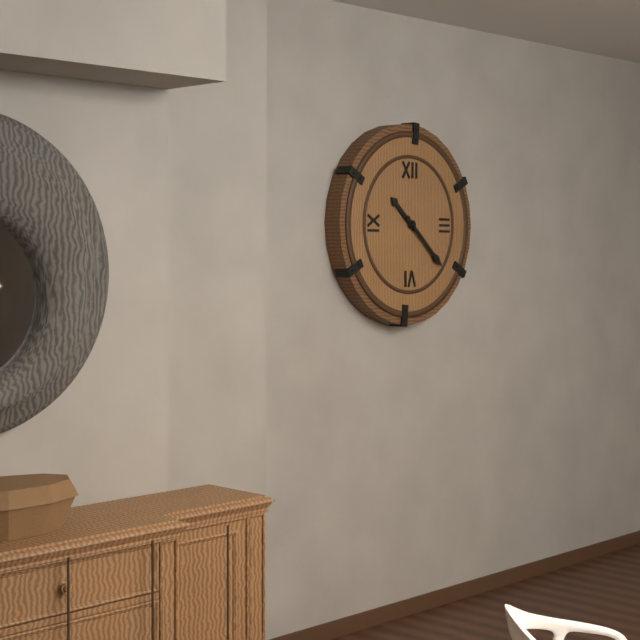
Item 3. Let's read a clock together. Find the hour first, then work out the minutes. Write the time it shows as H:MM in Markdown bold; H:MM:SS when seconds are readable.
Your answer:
**10:22**
